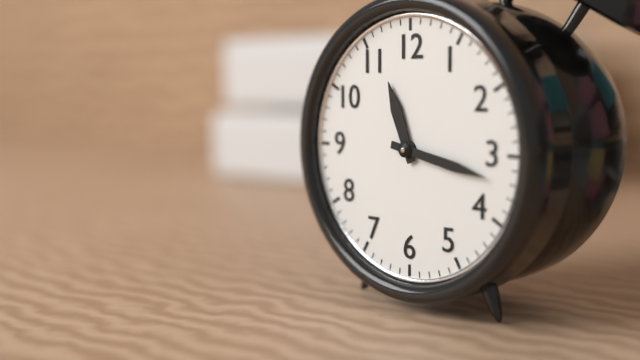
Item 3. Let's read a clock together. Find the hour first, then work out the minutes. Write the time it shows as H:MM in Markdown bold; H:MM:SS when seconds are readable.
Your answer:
**11:17**
